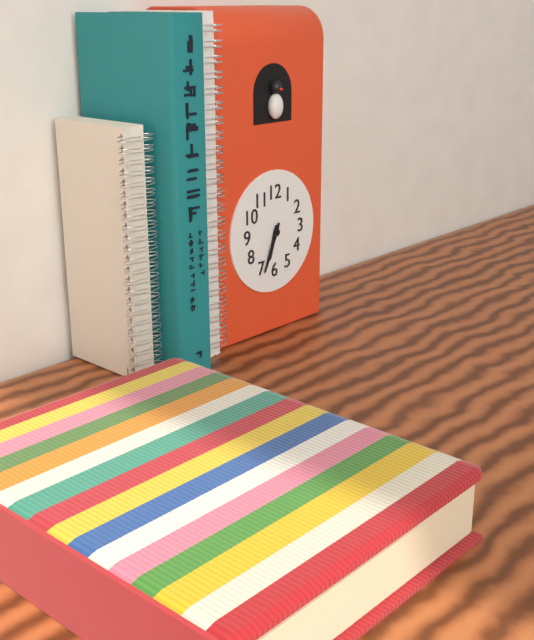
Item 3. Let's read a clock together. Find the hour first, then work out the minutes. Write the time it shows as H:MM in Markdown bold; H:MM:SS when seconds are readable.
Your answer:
**6:34**
